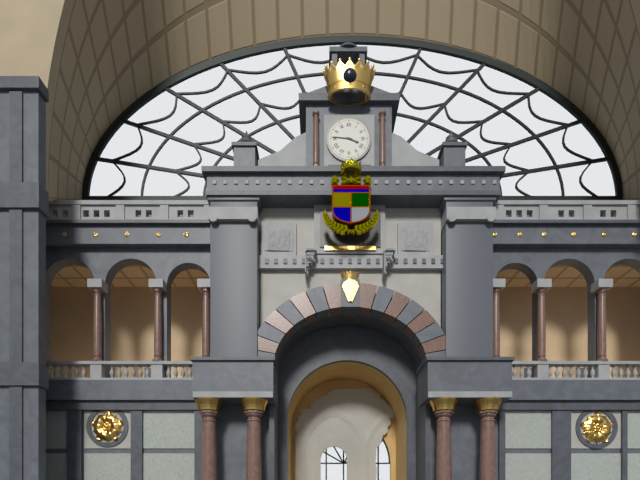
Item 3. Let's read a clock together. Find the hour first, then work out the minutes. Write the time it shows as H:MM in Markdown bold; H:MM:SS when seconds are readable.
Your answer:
**3:46**
